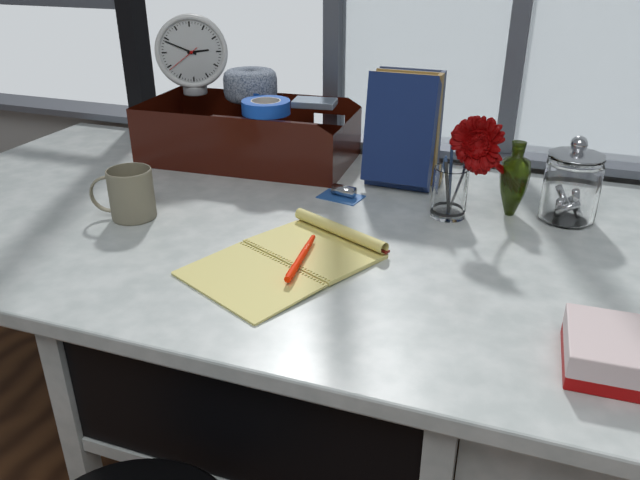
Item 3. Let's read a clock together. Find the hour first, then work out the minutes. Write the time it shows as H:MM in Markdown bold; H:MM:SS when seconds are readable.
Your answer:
**2:49**
